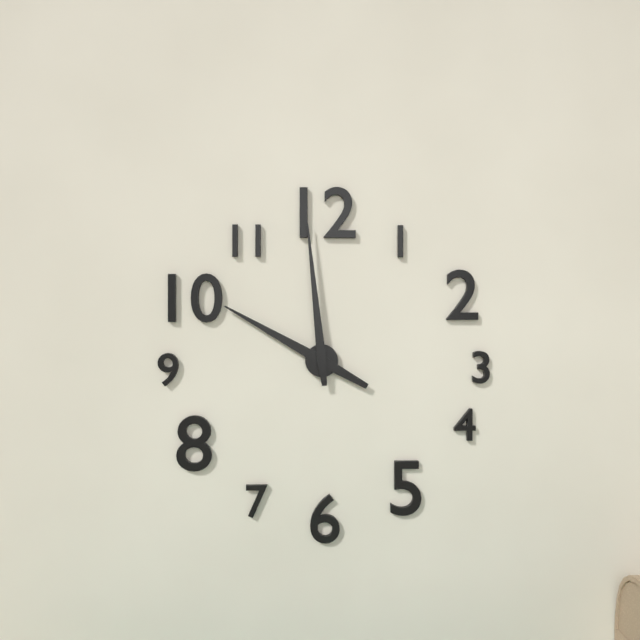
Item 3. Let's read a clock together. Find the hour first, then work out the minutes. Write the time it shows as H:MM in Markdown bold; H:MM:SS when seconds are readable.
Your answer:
**9:59**
